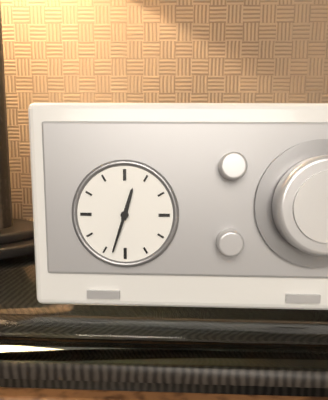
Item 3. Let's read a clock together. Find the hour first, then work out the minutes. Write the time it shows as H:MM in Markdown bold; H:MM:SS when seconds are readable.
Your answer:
**12:33**
